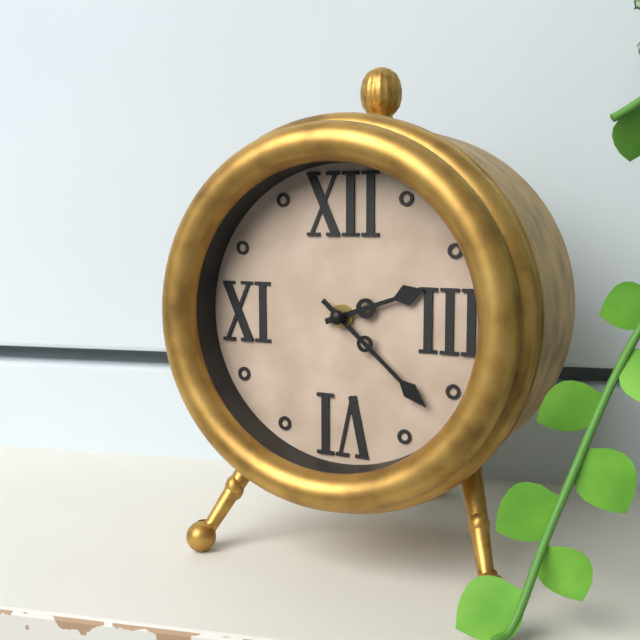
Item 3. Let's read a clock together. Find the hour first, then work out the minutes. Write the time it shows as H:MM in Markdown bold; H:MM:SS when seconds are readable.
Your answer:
**2:22**
